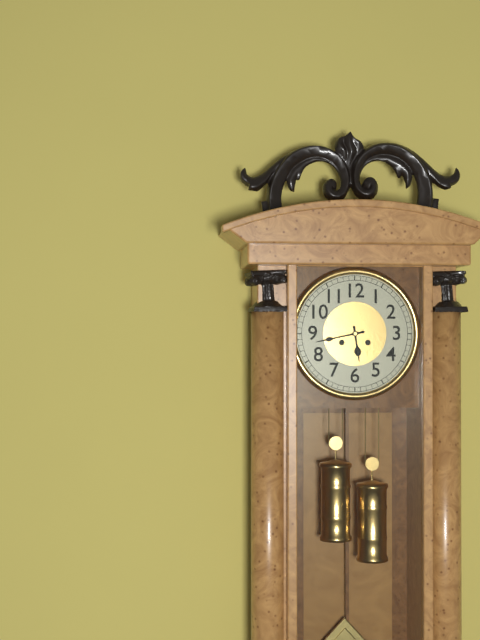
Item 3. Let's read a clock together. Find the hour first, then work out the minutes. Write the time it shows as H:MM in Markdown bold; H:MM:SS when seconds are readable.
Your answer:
**5:43**
